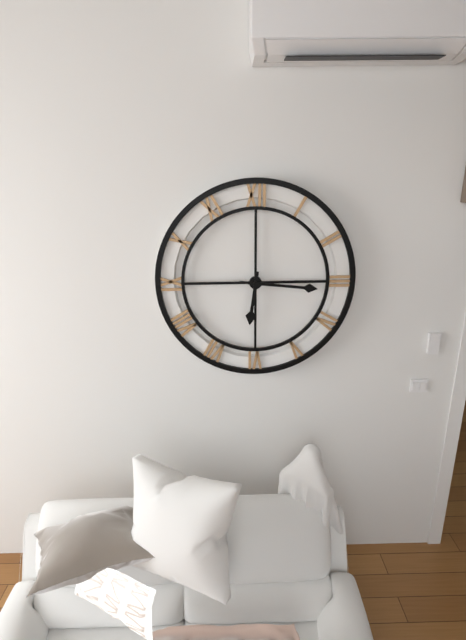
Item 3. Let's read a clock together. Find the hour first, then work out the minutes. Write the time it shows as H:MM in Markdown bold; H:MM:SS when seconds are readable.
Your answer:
**6:16**
